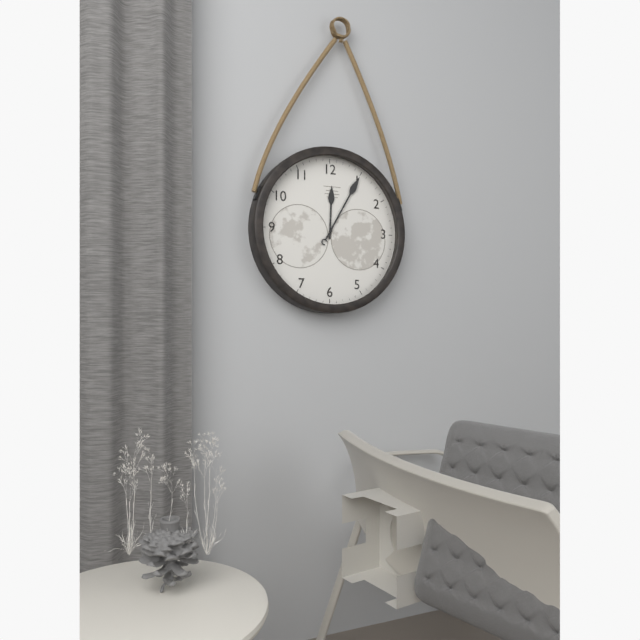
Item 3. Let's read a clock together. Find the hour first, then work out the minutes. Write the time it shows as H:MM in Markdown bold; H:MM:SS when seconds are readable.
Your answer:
**12:05**
